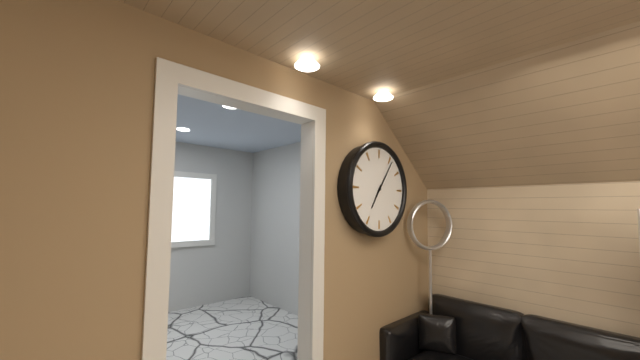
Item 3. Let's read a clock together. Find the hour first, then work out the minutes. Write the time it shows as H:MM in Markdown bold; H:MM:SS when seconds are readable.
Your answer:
**7:06**
